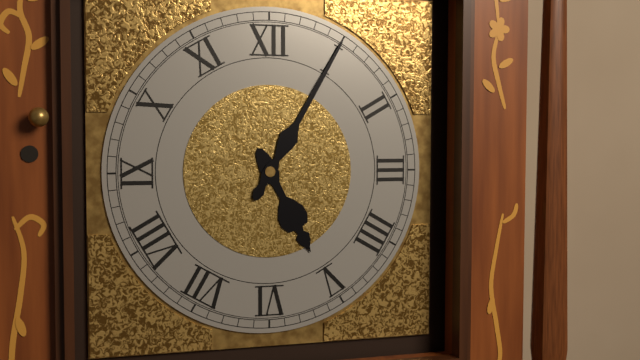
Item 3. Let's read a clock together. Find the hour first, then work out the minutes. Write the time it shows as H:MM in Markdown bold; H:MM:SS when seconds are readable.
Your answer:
**5:05**
